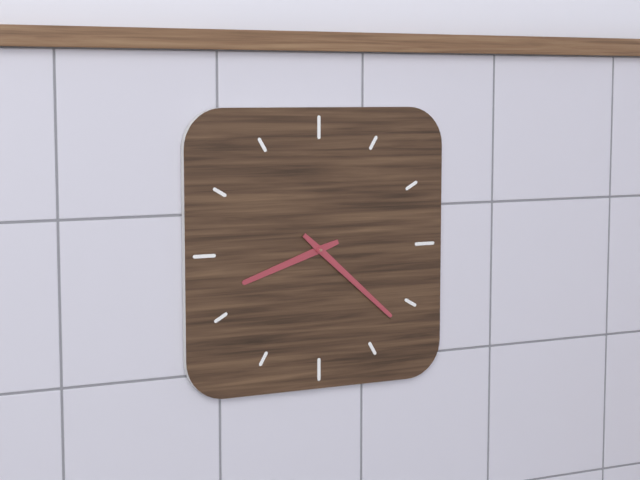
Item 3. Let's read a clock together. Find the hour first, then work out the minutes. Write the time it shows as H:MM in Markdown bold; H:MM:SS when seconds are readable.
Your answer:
**8:22**
